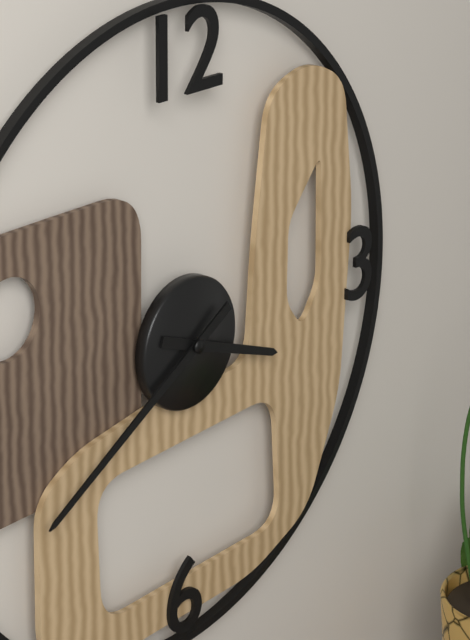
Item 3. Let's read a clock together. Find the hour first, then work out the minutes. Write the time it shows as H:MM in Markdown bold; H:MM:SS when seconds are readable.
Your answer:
**3:40**
